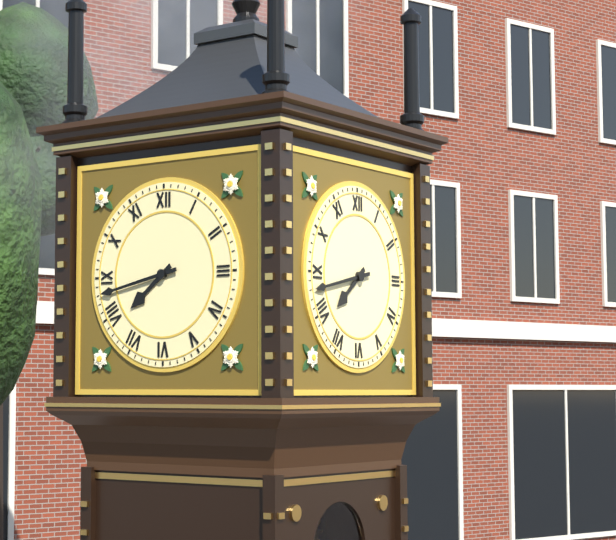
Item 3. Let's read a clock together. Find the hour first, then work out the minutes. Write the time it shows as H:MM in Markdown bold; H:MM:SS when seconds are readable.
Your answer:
**7:43**
